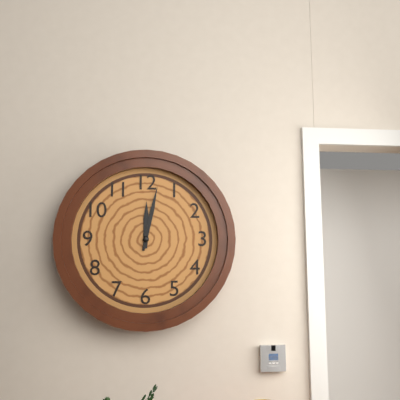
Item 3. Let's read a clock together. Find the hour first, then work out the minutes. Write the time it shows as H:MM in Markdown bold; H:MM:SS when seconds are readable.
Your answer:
**12:02**
